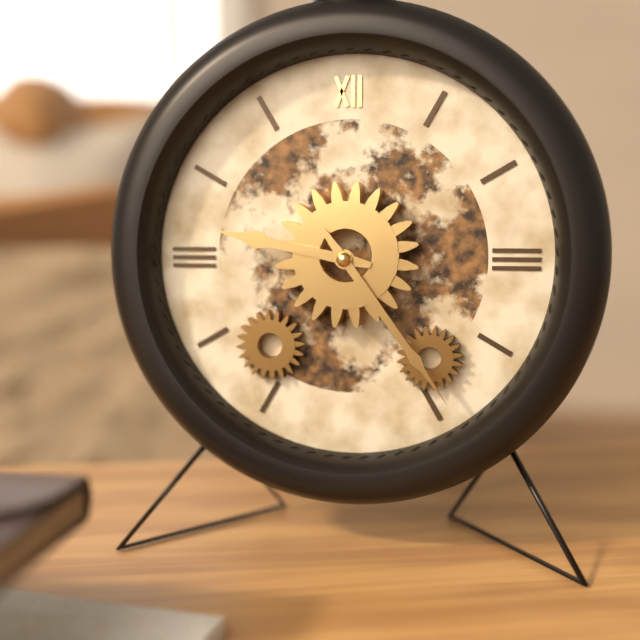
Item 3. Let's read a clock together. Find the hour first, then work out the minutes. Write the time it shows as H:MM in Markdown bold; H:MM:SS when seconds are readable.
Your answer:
**9:24**
